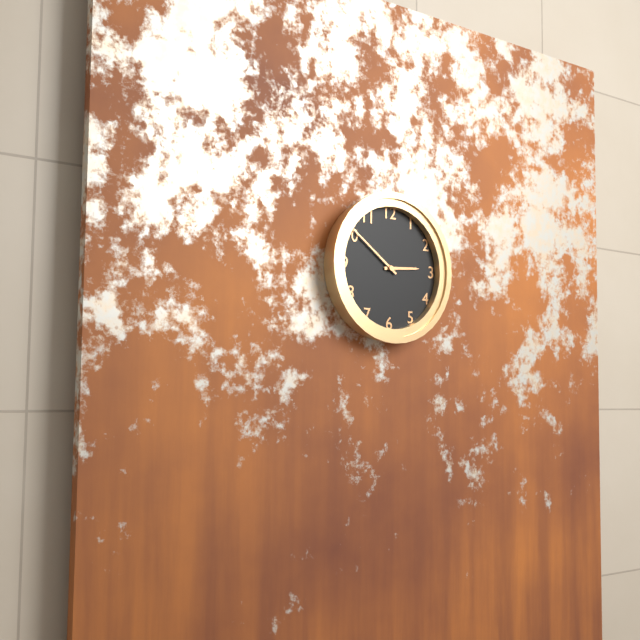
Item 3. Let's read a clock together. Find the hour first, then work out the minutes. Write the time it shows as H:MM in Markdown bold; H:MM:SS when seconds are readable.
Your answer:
**2:51**
